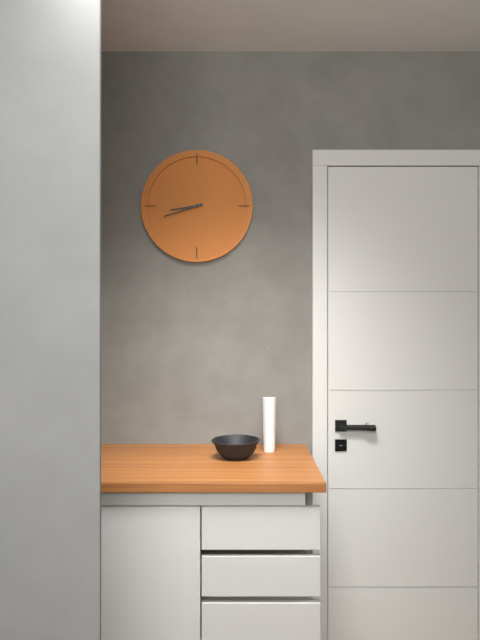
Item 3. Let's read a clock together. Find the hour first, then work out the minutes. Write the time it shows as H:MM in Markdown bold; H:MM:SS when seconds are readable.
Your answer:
**8:42**
